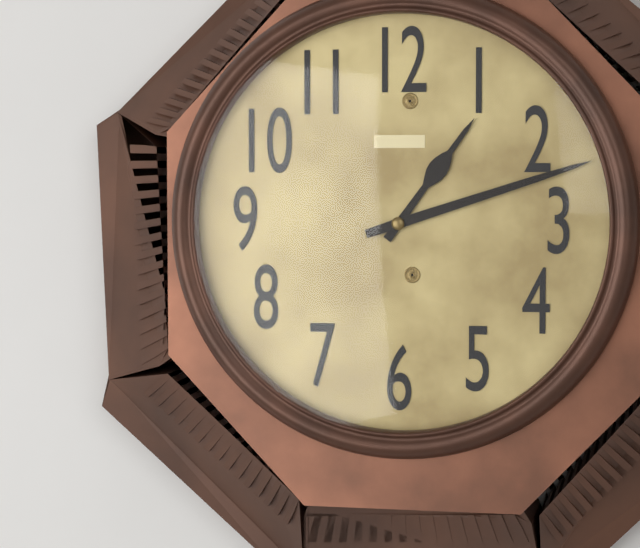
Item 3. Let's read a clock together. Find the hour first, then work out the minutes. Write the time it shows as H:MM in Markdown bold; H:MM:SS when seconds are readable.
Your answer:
**1:12**
